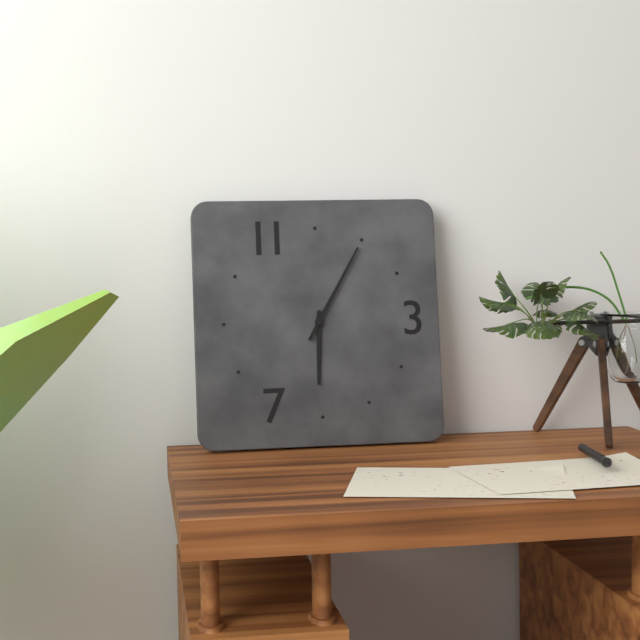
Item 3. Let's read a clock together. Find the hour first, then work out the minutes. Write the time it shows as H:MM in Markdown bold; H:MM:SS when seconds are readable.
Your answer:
**6:05**
